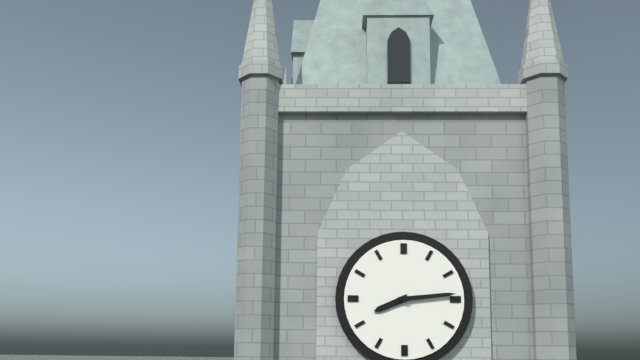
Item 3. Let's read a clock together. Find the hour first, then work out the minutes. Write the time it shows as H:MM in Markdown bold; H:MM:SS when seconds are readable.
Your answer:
**8:14**
